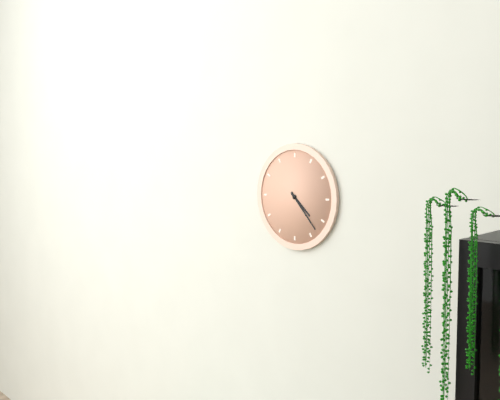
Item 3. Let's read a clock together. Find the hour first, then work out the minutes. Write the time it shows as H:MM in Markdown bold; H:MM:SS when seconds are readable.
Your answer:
**4:23**
